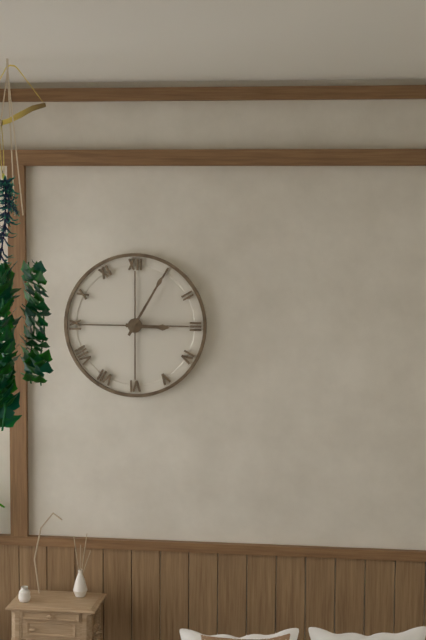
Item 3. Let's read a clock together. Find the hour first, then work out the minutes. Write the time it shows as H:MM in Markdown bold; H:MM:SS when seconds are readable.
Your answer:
**3:05**
